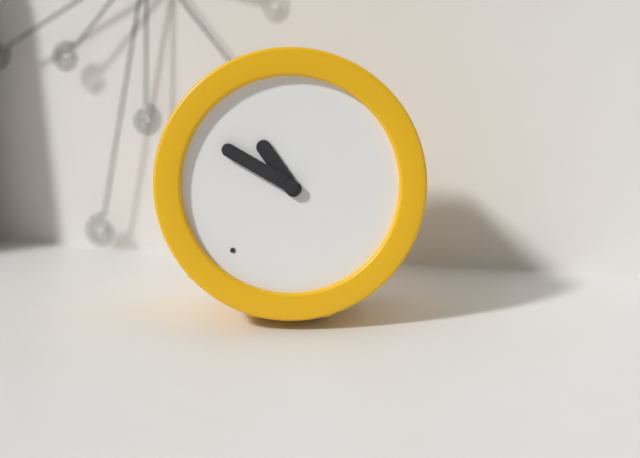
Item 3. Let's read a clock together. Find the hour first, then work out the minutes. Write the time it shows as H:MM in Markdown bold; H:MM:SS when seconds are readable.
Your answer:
**10:50**
